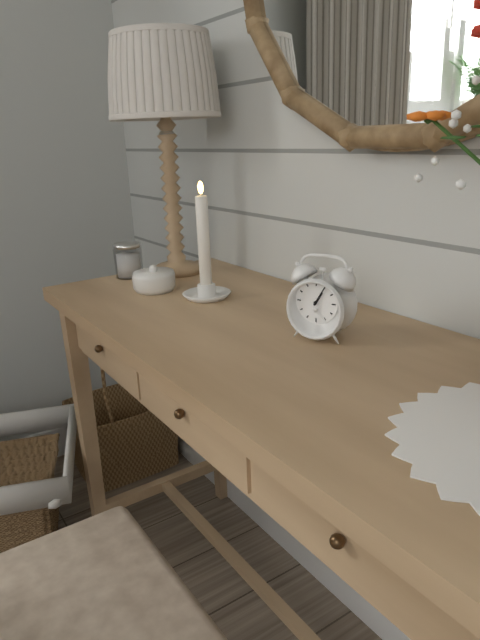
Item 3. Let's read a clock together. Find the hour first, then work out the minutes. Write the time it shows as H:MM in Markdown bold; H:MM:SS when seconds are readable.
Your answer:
**1:05**
